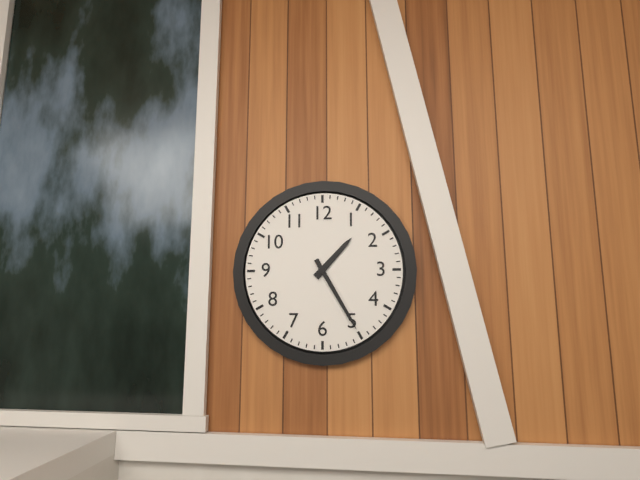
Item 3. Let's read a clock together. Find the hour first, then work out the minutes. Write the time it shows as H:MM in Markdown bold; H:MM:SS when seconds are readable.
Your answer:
**1:25**
